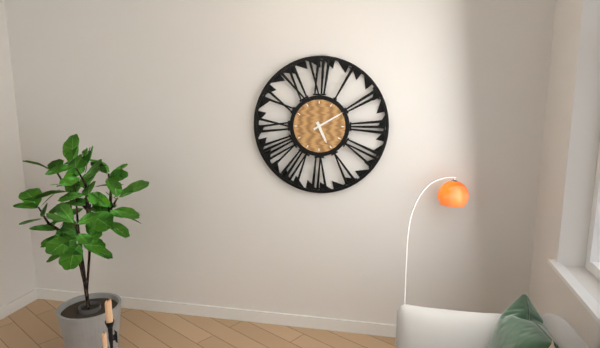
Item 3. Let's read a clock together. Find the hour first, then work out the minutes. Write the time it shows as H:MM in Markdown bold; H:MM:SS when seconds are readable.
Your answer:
**5:10**
